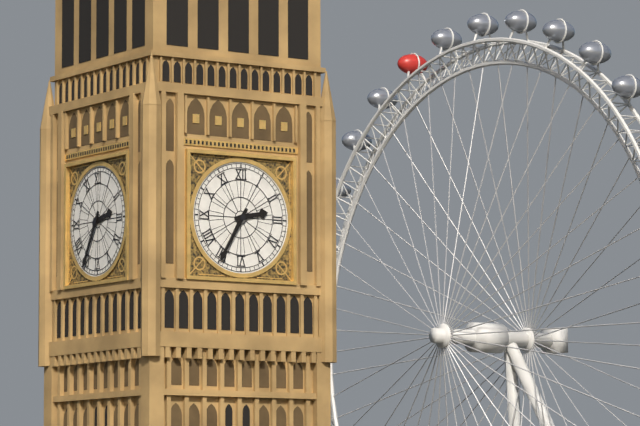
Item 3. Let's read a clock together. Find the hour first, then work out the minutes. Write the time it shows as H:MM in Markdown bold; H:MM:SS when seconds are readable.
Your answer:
**2:35**
